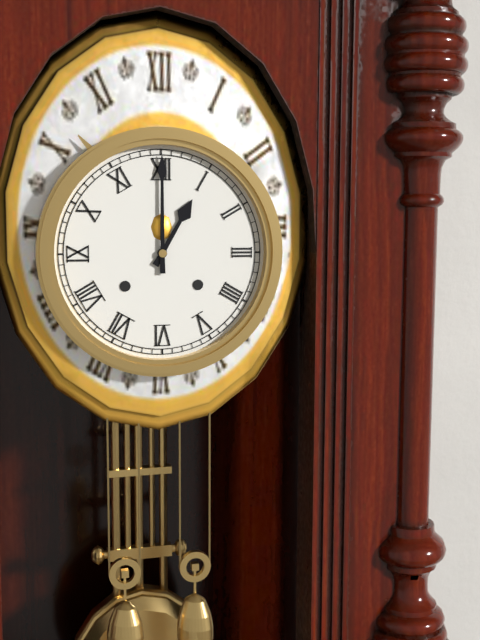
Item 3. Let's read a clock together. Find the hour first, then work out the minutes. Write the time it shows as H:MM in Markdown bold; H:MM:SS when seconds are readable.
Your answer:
**1:00**
